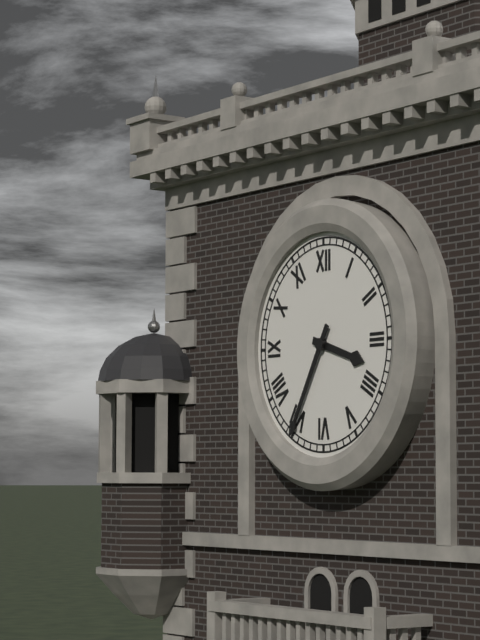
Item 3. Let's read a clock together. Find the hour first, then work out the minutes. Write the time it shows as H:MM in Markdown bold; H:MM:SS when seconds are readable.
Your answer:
**3:35**
